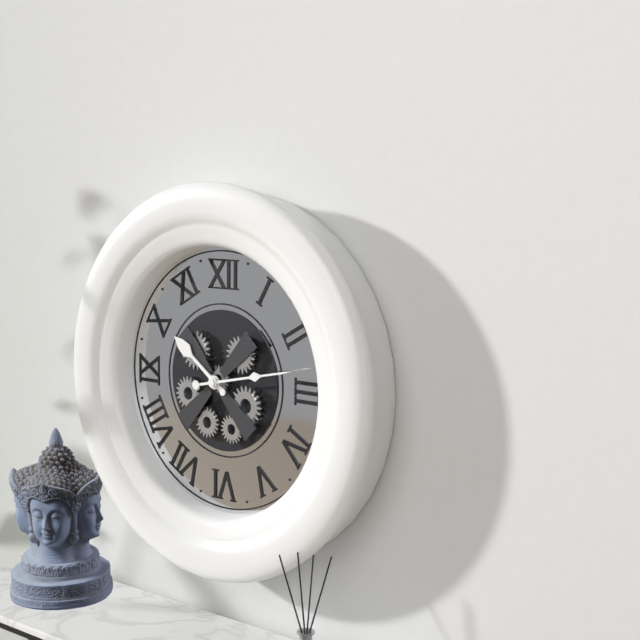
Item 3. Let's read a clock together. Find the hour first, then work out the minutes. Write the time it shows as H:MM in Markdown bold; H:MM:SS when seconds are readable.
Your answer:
**10:13**
